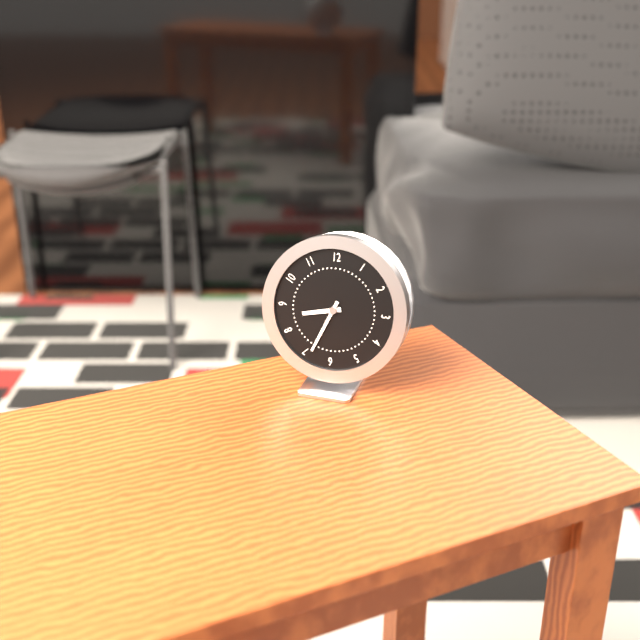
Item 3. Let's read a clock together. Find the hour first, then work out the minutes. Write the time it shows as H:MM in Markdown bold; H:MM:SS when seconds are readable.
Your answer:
**8:34**
